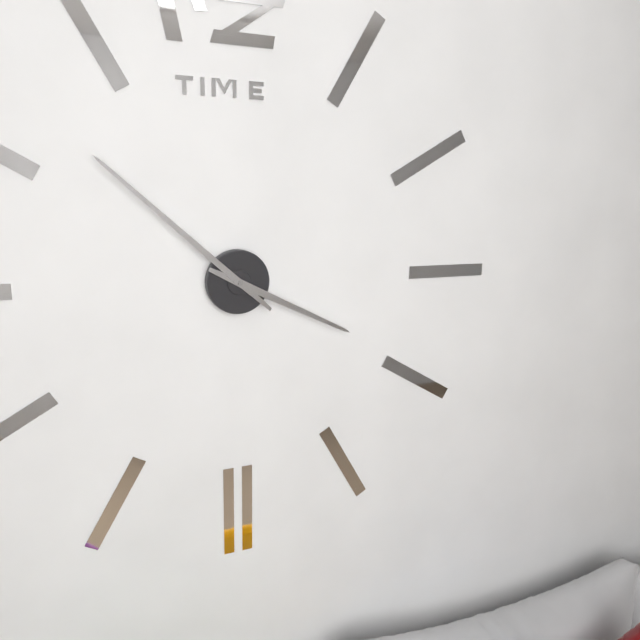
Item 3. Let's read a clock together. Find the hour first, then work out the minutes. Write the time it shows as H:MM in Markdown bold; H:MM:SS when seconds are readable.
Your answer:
**3:52**
